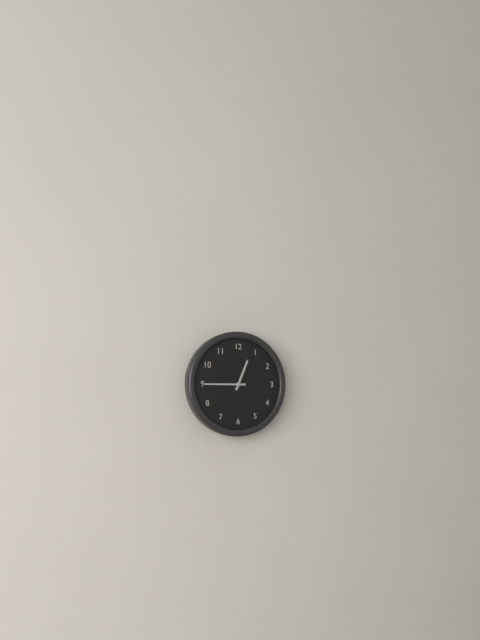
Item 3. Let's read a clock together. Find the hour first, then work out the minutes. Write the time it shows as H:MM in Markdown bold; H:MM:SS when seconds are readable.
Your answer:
**12:45**
